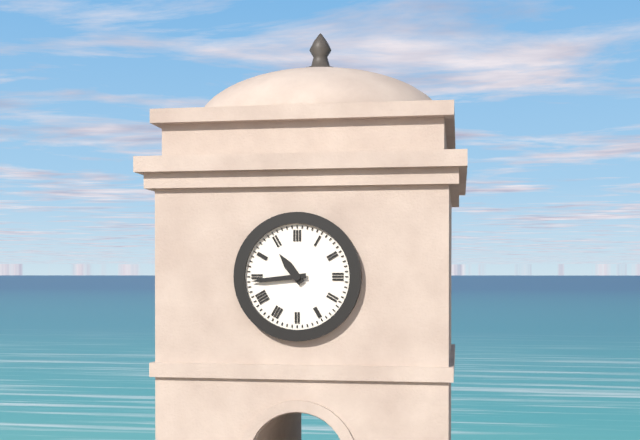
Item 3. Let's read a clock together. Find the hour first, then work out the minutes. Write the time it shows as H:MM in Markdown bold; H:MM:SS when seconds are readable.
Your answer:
**10:44**
